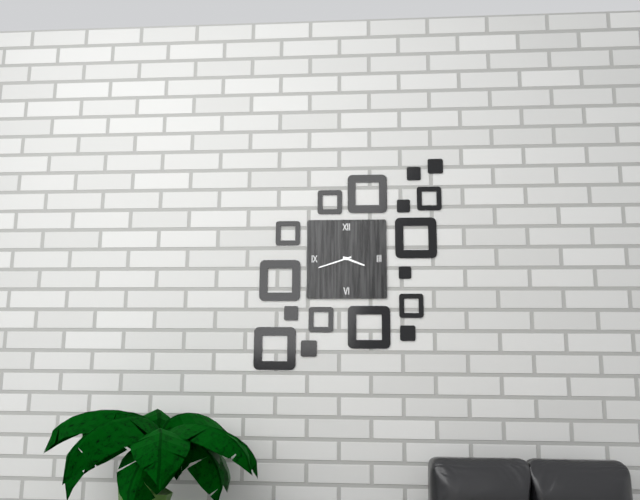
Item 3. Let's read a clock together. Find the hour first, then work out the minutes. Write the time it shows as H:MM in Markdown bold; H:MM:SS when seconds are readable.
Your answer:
**3:42**
